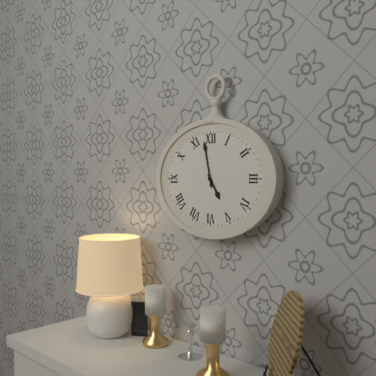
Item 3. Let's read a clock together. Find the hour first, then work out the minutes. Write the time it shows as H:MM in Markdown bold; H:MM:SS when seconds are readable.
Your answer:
**4:58**
